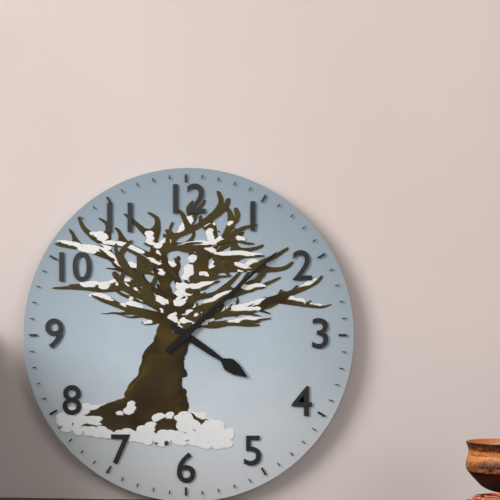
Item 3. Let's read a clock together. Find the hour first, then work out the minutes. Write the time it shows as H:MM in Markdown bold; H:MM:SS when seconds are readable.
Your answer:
**4:08**
